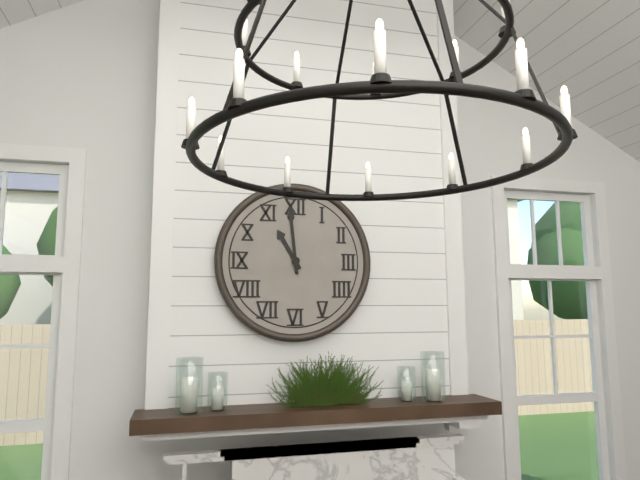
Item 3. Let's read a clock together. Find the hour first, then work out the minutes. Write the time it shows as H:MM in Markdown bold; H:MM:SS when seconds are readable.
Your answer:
**10:59**
